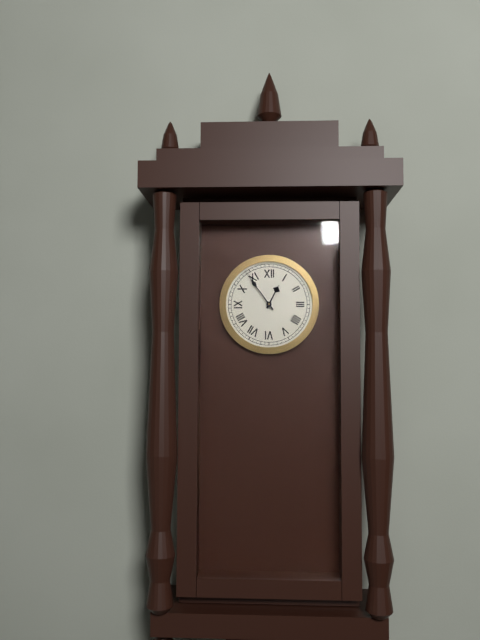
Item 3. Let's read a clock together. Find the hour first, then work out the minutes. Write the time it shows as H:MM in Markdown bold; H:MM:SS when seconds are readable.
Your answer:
**12:54**
